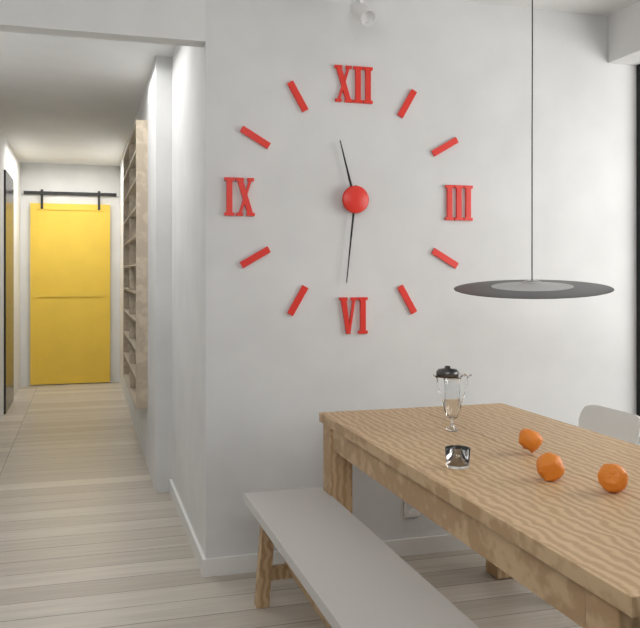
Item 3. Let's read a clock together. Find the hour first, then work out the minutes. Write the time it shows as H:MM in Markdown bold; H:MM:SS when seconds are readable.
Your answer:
**11:31**
